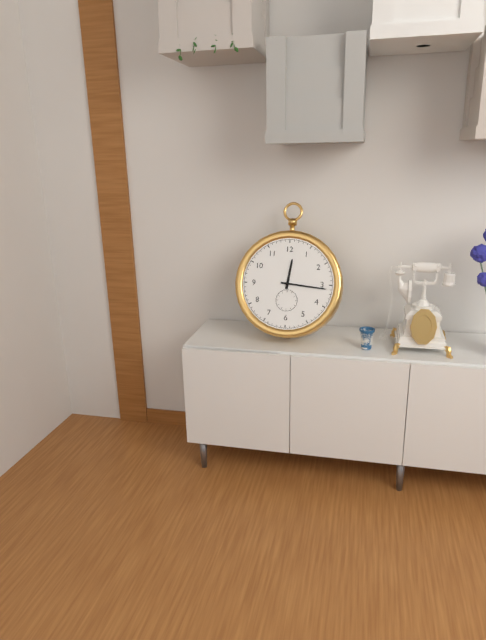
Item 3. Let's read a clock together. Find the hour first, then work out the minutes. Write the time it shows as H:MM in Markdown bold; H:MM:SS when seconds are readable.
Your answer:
**12:16**
